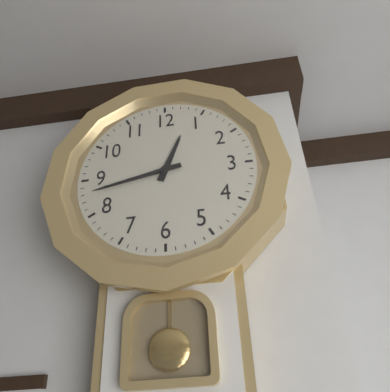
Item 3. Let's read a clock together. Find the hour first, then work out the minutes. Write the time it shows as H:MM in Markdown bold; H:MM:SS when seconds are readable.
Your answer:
**12:43**
